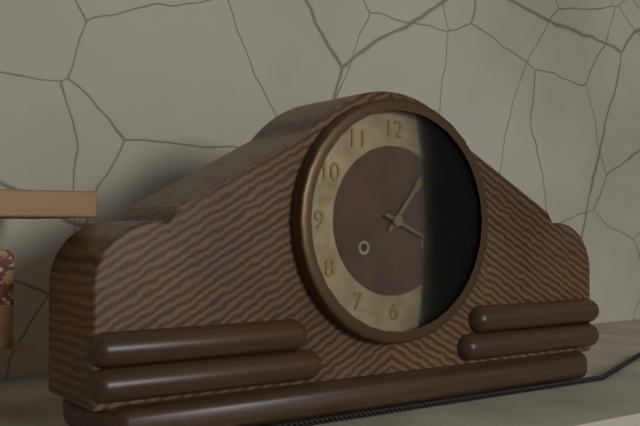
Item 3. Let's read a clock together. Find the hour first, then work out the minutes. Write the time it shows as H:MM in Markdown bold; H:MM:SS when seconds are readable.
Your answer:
**1:19**
